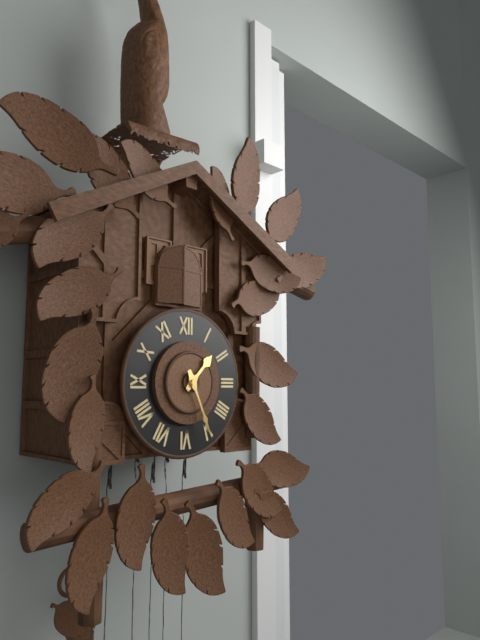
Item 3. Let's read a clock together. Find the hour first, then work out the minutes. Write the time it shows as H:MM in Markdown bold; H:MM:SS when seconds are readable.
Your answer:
**1:26**
